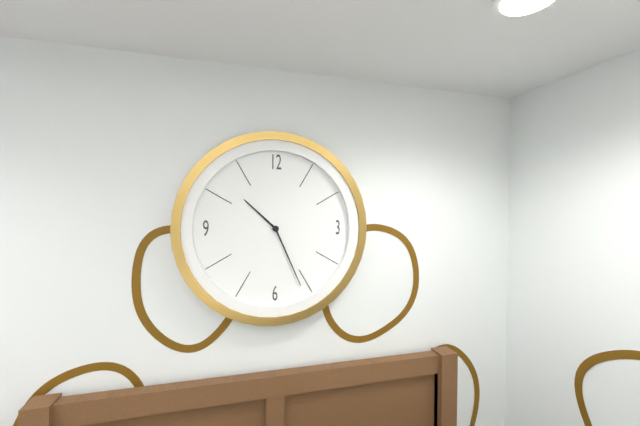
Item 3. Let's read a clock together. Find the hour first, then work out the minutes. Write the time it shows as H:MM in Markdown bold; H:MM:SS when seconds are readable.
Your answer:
**10:26**
